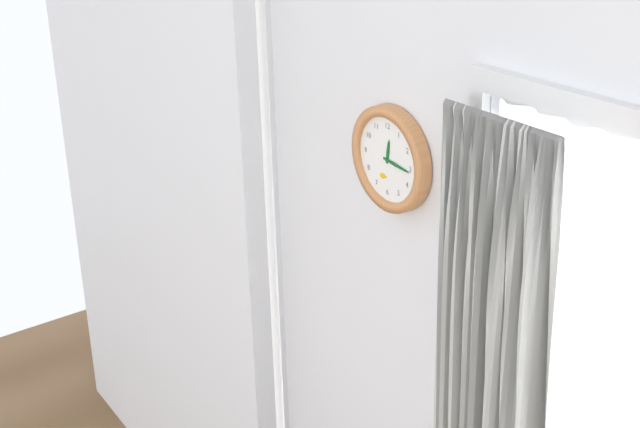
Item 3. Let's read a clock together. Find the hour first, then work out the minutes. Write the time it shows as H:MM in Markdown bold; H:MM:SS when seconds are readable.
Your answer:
**12:16**
